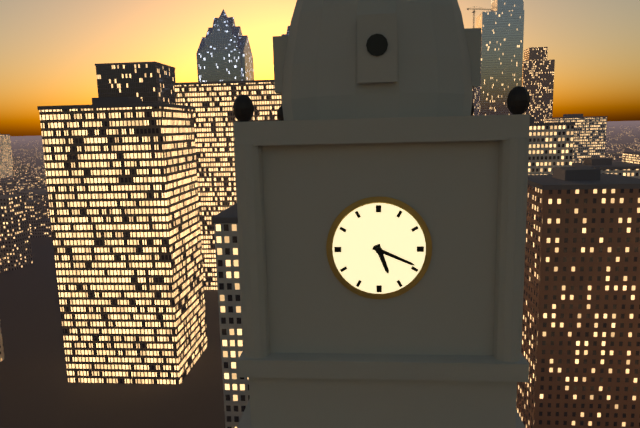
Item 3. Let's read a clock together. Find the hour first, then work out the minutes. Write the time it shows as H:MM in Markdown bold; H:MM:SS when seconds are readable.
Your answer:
**5:19**
